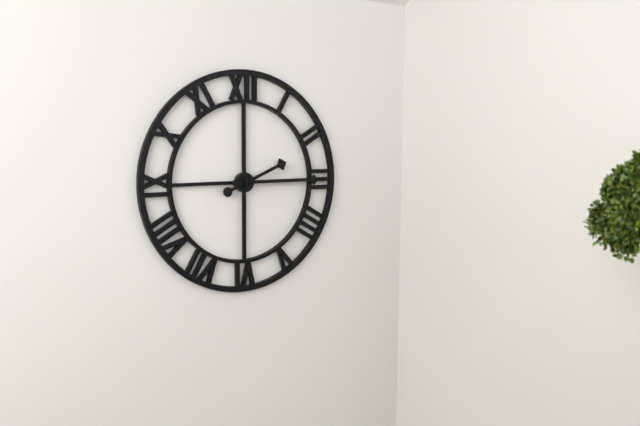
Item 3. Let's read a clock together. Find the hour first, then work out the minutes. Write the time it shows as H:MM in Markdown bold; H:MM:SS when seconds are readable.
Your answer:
**2:15**
